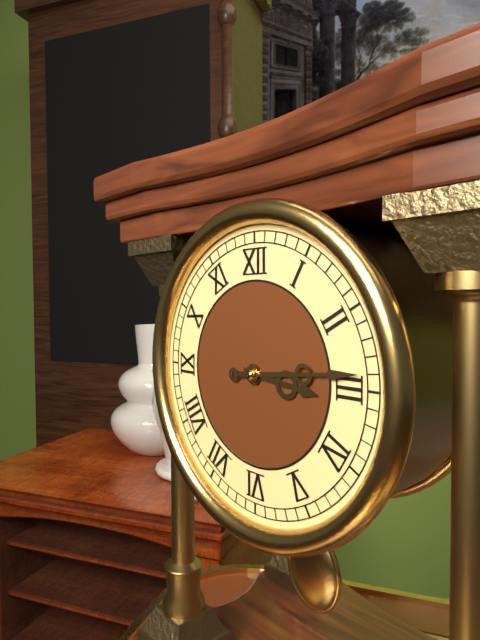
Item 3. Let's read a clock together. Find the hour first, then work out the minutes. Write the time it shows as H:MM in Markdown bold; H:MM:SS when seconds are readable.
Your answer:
**3:14**
